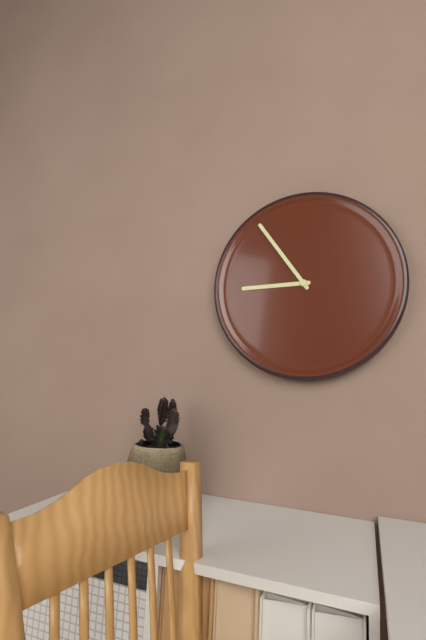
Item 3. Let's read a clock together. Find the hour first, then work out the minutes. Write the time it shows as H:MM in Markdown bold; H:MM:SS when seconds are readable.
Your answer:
**8:54**
